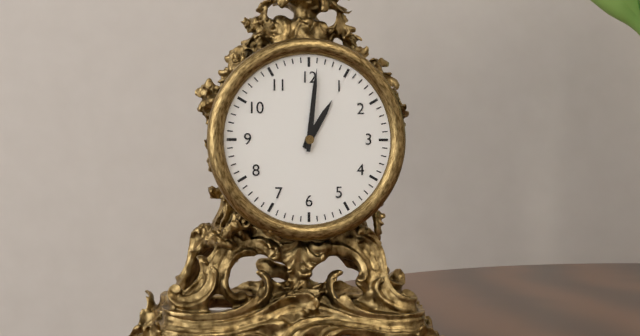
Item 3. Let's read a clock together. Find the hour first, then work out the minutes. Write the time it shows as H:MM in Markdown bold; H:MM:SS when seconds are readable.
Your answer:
**1:01**
